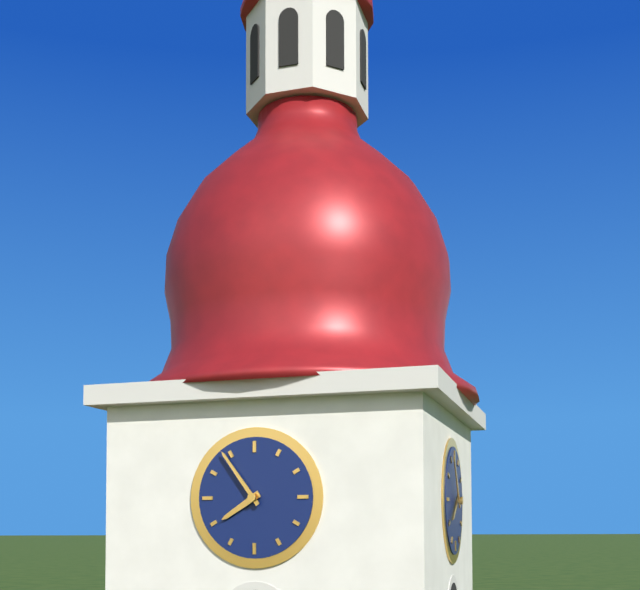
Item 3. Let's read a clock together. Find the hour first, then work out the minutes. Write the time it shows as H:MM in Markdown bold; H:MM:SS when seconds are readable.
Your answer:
**7:54**
